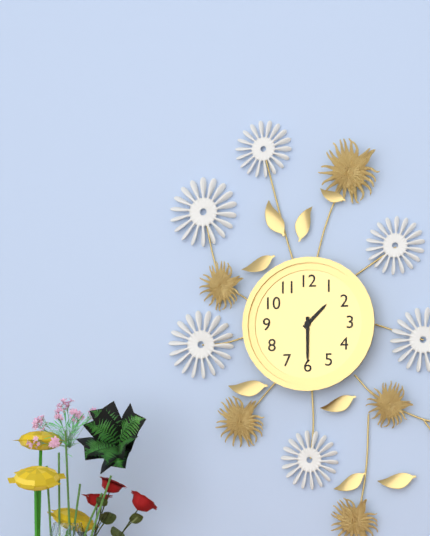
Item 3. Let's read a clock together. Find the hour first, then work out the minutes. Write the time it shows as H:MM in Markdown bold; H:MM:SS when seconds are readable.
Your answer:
**1:30**
